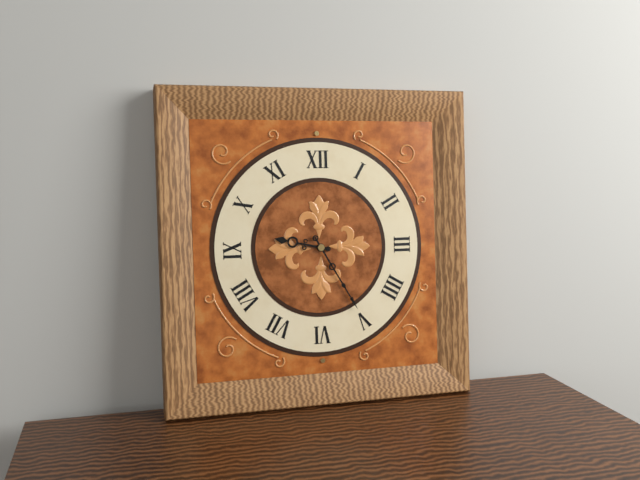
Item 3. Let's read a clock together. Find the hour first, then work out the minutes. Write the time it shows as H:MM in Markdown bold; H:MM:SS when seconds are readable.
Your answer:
**9:25**
